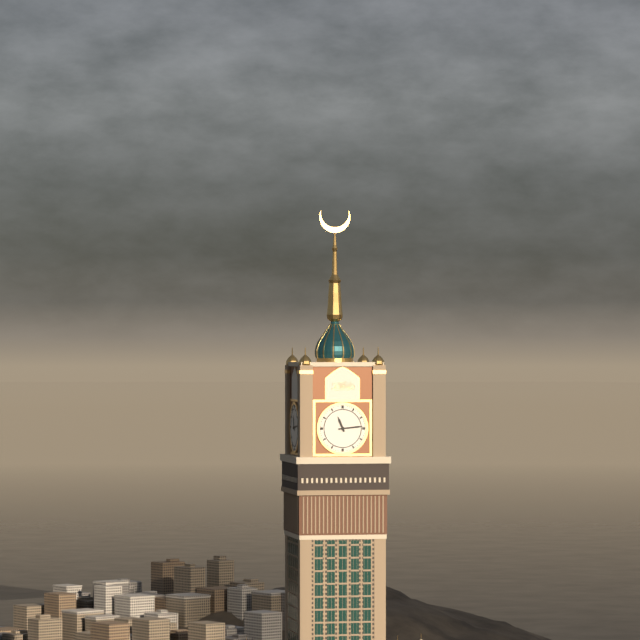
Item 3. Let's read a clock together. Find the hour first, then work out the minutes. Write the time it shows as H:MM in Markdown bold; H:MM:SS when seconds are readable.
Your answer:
**11:14**
